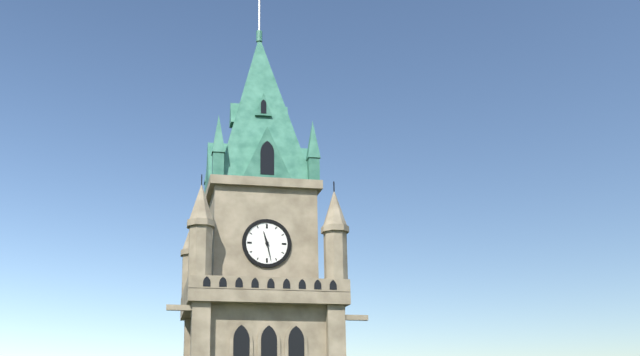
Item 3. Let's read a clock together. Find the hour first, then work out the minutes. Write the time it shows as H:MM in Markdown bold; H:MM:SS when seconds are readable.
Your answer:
**11:28**
